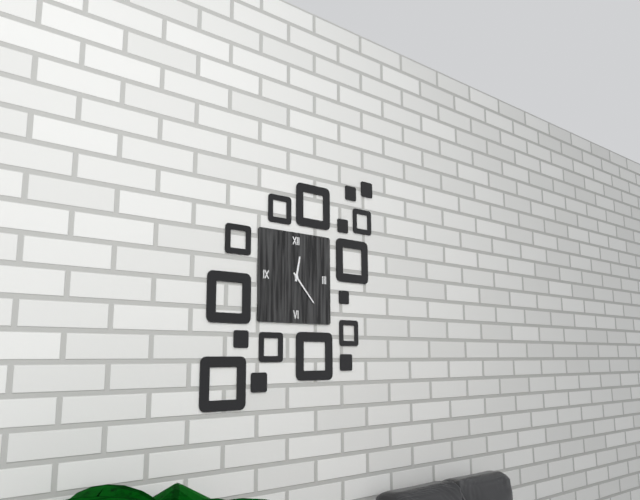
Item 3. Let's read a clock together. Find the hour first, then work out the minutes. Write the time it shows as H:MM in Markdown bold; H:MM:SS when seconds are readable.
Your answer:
**12:23**
